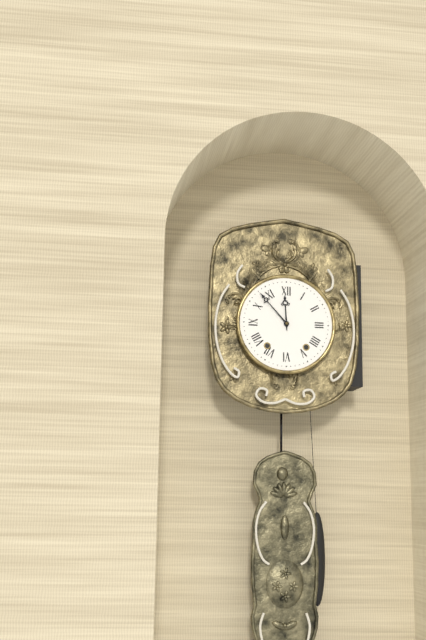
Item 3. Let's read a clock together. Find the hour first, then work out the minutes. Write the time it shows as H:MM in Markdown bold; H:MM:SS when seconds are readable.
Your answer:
**11:53**
